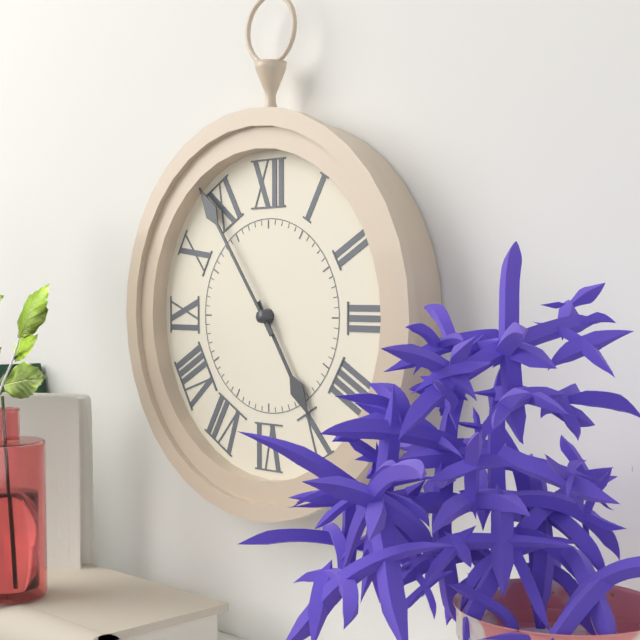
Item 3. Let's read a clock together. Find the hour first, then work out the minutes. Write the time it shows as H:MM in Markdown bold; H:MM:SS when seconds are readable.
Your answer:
**4:54**
